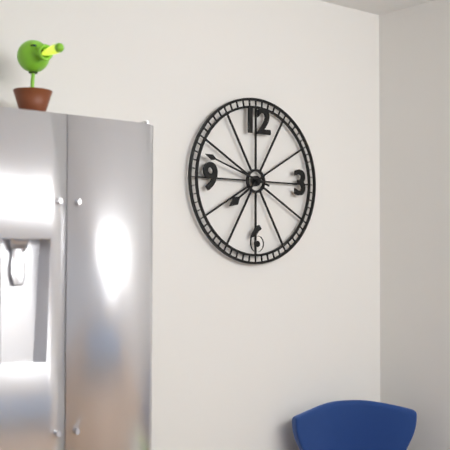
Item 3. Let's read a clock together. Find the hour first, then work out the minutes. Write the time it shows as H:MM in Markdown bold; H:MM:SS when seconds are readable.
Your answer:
**7:48**
